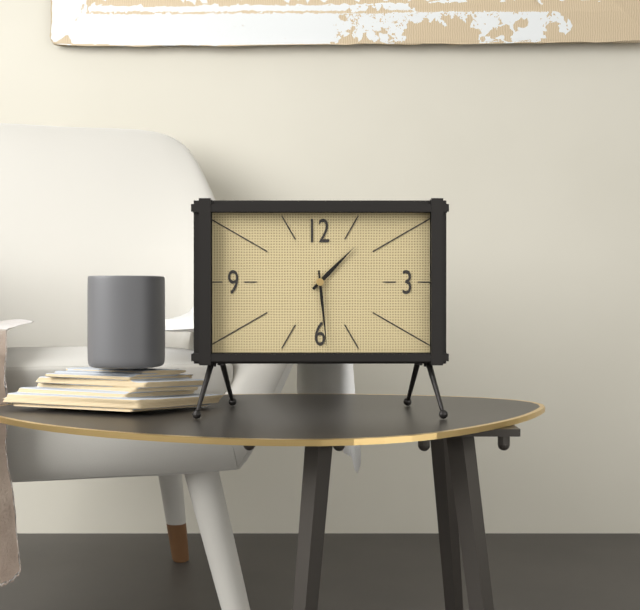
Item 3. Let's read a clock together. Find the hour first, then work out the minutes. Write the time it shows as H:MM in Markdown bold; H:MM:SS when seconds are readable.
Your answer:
**1:29**
